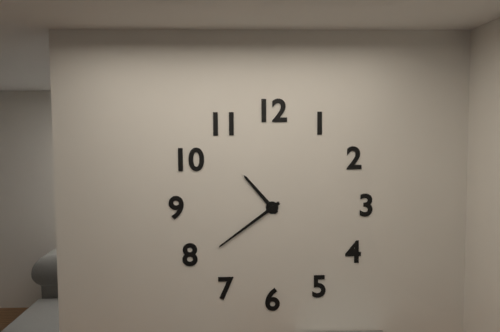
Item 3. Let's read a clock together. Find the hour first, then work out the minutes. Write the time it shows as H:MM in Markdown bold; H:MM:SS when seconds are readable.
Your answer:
**10:39**
